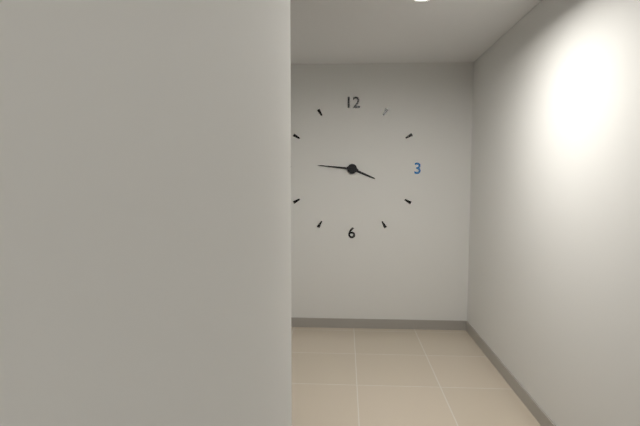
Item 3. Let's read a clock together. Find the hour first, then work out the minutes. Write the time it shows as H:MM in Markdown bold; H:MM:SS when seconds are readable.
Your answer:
**3:46**
